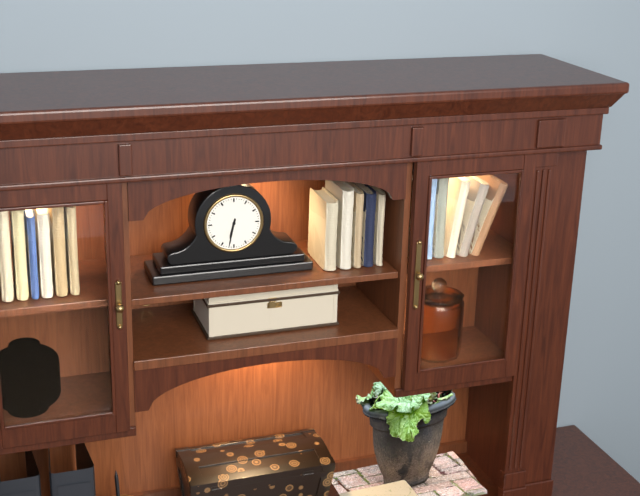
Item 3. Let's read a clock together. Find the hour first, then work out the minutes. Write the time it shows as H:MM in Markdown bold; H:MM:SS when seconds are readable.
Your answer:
**6:32**
